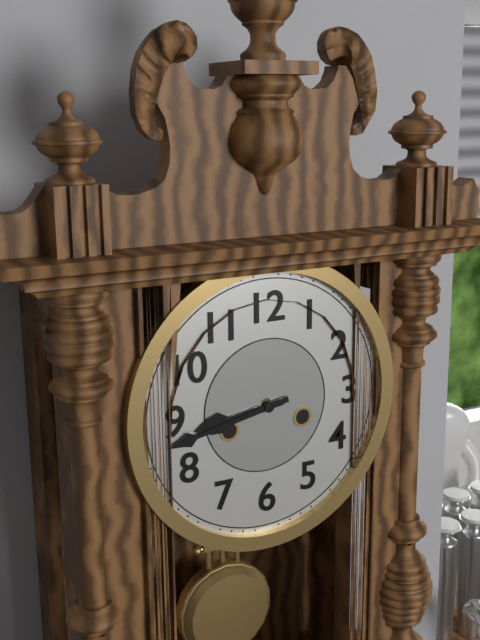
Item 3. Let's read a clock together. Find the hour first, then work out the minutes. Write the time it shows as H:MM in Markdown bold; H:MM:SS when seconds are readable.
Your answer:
**8:43**
